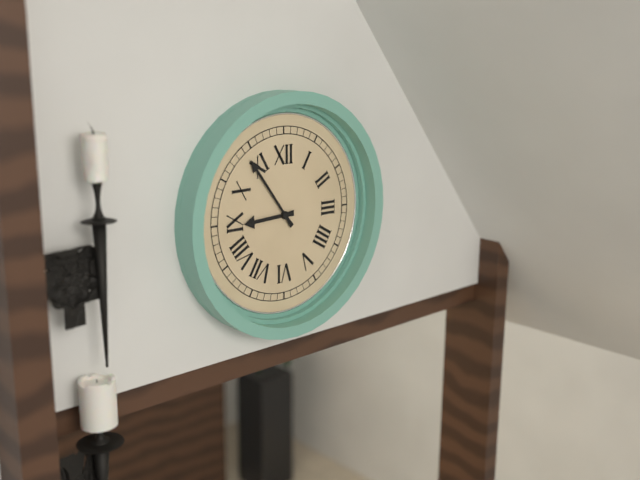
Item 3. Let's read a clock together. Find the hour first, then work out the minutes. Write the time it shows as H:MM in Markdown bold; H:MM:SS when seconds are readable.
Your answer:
**8:54**
